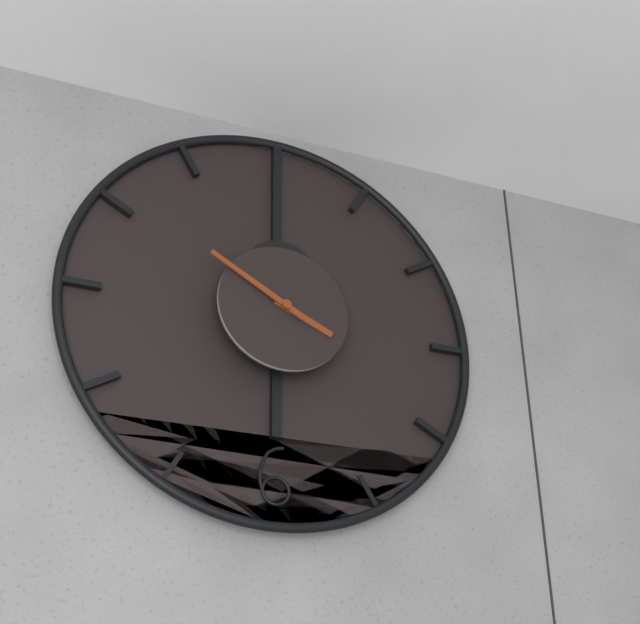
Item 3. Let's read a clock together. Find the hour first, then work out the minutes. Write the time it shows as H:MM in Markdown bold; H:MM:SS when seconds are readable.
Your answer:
**3:50**
